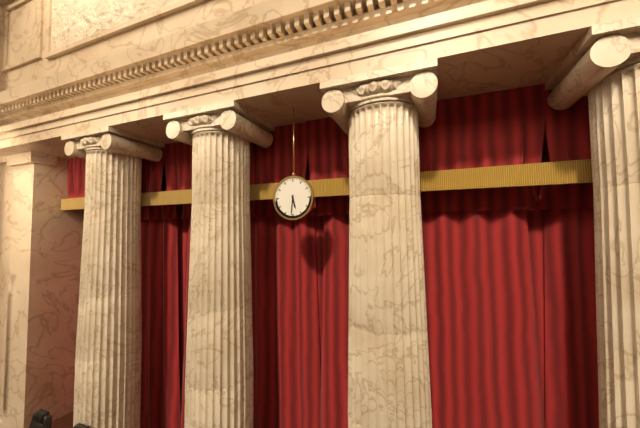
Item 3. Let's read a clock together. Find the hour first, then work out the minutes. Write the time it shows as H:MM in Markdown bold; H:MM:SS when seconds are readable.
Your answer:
**5:31**
